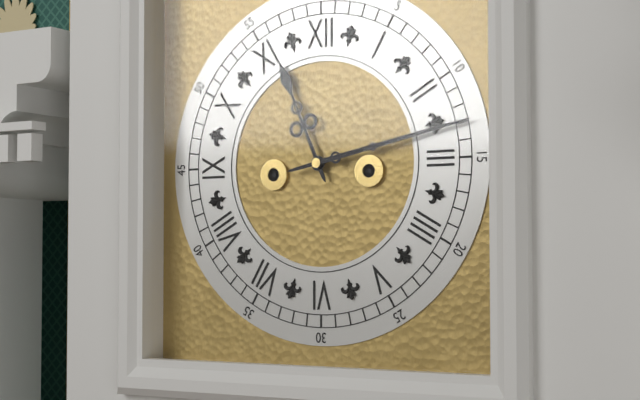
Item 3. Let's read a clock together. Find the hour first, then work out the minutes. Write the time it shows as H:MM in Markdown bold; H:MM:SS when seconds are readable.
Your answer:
**11:13**
